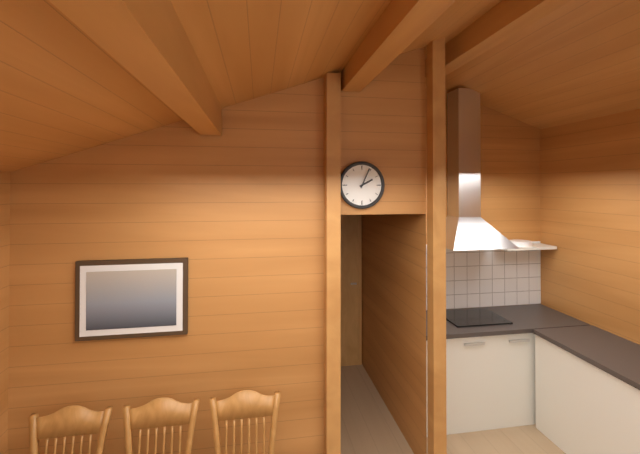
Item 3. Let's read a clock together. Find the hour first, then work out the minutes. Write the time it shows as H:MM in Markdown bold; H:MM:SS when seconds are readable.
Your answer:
**2:04**
